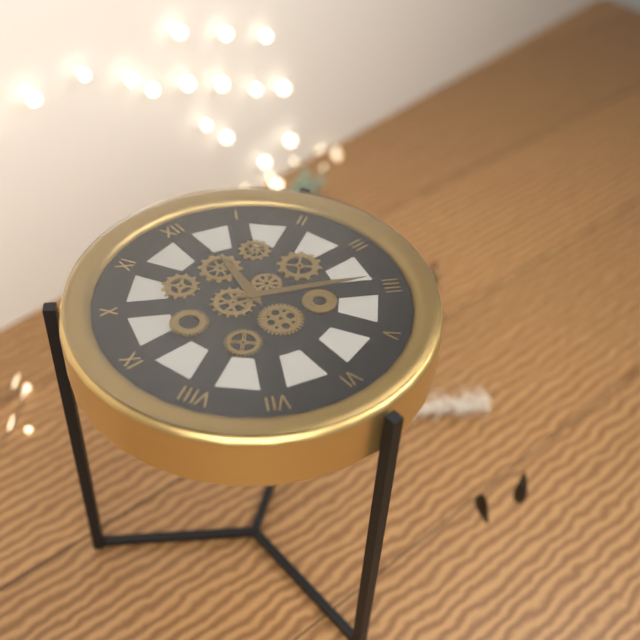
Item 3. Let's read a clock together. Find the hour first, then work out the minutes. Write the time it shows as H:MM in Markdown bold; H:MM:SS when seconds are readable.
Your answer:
**12:19**
